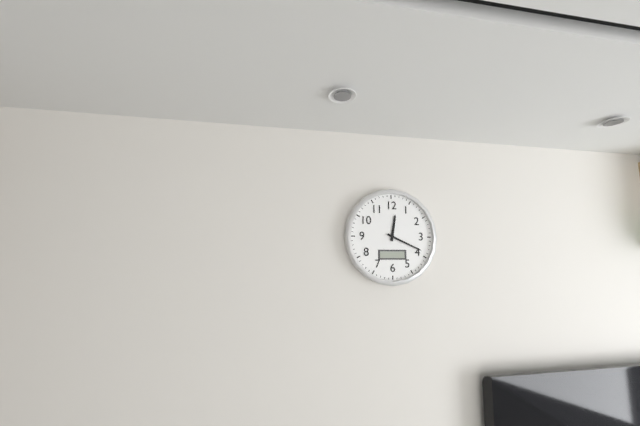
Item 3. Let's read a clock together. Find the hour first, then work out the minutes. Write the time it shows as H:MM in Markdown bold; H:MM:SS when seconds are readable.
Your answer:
**12:19**
